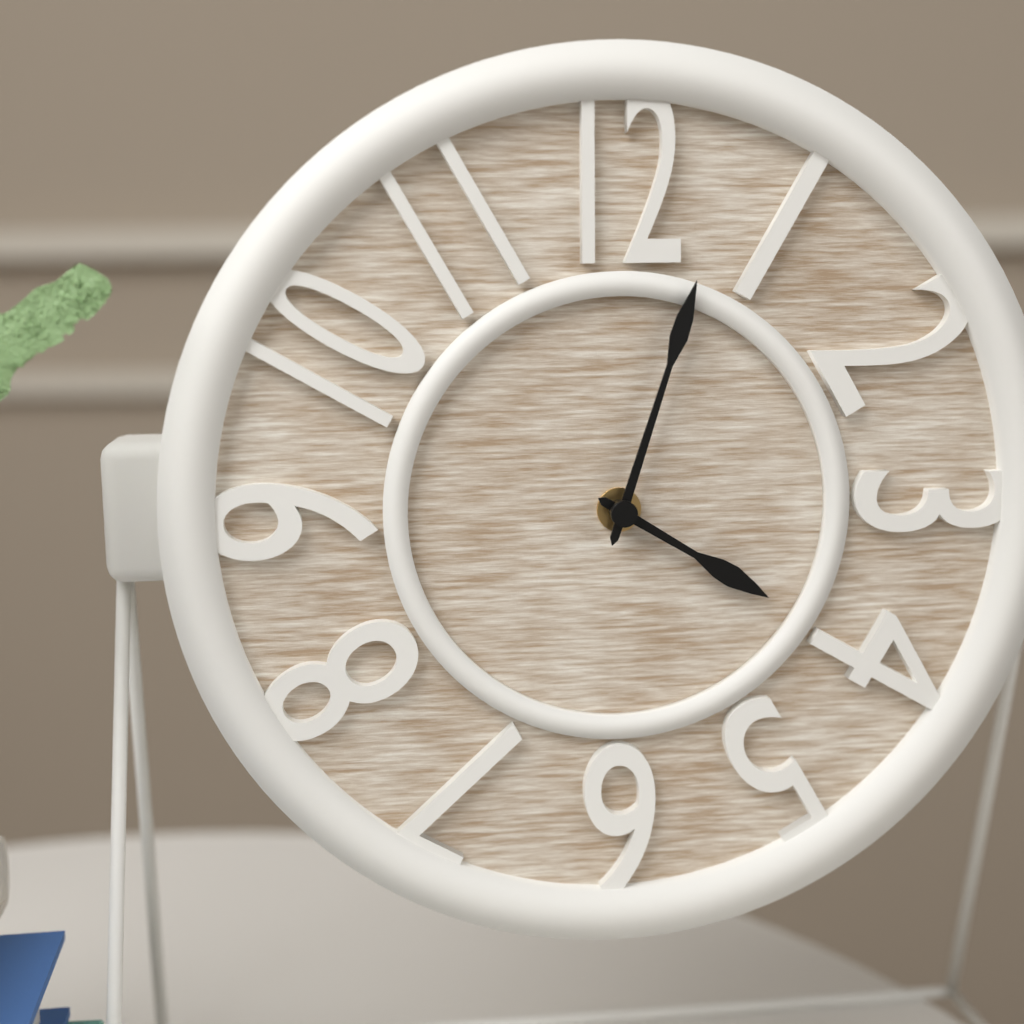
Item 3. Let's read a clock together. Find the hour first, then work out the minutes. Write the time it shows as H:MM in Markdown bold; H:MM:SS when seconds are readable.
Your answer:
**4:03**
